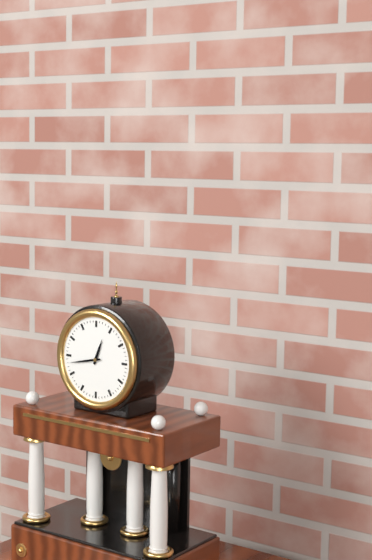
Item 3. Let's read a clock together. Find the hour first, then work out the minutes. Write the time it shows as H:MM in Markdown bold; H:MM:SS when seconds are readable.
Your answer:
**12:43**
